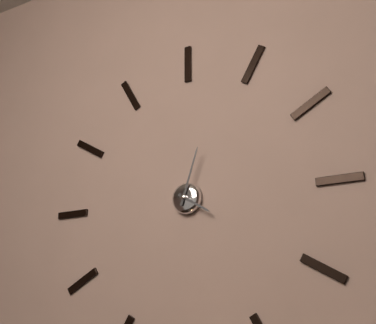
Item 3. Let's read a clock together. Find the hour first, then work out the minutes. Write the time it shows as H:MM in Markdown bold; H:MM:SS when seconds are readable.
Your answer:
**4:03**
